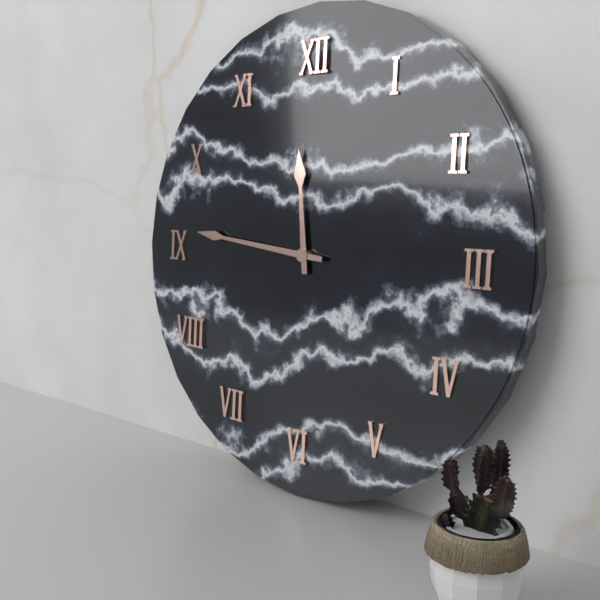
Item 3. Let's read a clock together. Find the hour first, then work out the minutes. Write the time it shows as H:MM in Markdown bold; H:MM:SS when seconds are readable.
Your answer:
**11:46**
